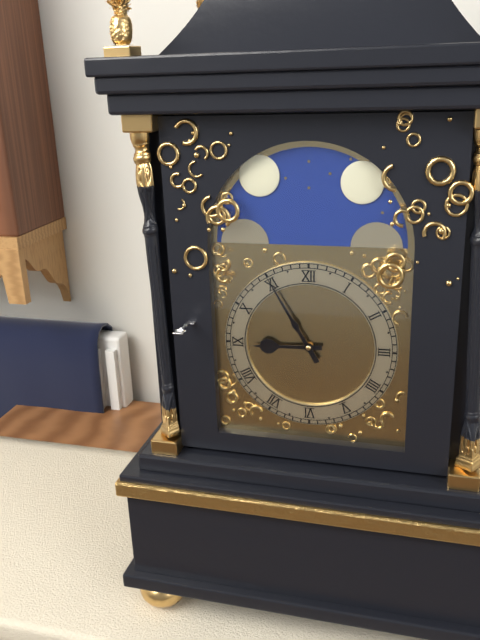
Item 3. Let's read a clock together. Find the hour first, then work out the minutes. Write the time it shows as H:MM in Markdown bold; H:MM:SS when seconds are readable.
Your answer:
**8:55**
